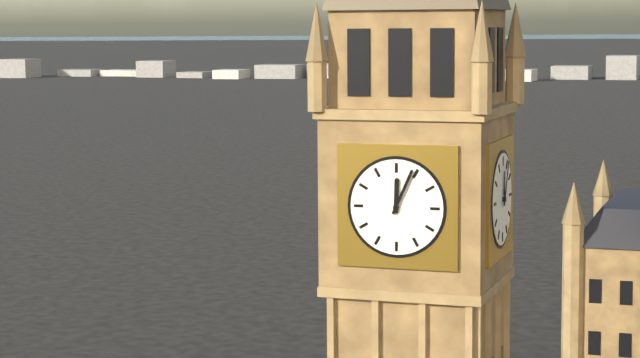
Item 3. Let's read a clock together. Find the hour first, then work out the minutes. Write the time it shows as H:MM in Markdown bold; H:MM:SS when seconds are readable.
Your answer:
**12:04**
